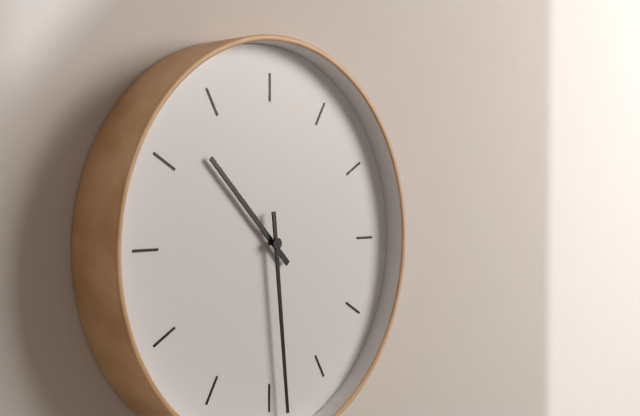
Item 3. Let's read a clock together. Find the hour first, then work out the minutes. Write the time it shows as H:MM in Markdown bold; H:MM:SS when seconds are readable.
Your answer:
**10:29**
